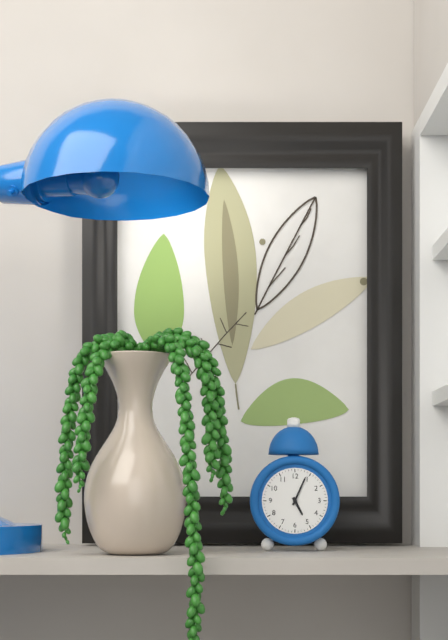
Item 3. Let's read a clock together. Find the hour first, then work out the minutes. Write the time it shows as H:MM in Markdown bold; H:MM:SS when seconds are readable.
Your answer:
**5:04**
